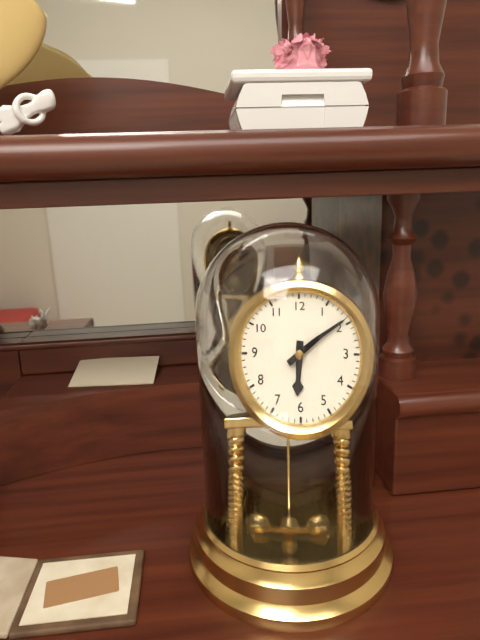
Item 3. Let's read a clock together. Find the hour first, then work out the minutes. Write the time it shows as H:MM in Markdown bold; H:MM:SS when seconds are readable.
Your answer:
**6:09**
